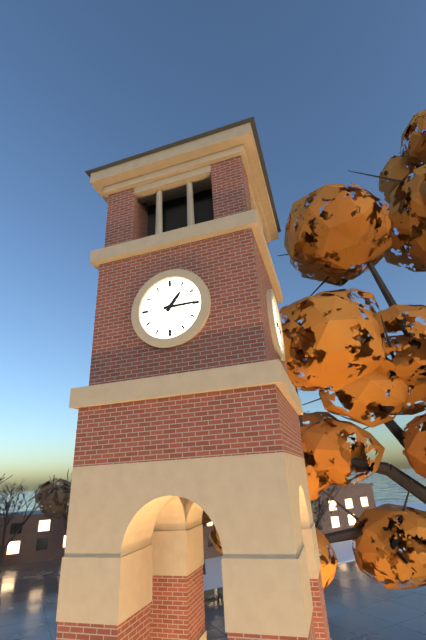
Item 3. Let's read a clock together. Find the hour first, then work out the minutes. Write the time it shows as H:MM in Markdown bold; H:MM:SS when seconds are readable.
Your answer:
**1:15**
